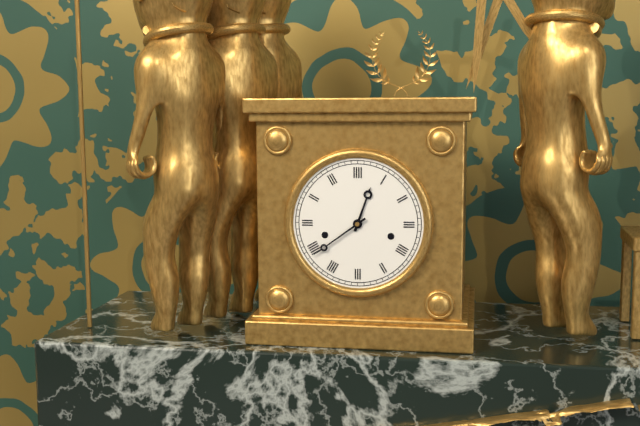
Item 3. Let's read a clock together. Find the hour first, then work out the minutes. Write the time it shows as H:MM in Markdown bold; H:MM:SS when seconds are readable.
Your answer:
**12:39**
